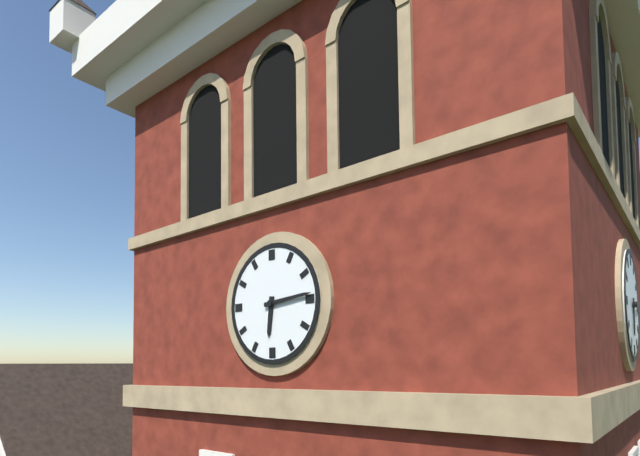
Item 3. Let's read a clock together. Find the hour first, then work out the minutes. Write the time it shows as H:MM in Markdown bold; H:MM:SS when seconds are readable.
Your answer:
**6:14**
